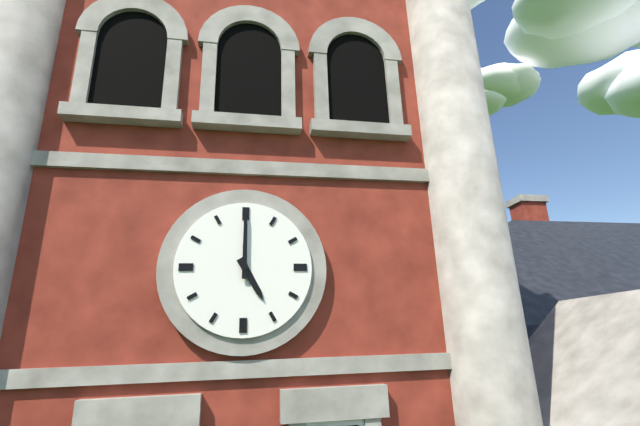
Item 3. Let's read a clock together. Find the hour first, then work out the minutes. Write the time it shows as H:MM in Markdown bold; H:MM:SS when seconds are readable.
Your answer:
**5:00**
